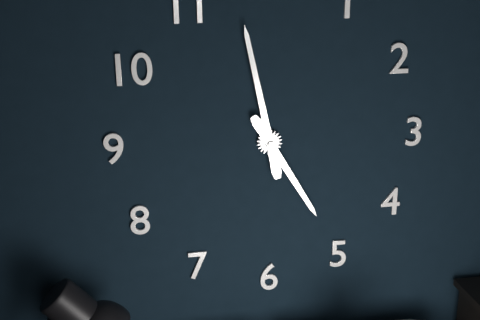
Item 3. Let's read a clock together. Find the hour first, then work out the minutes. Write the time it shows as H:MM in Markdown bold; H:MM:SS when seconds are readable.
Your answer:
**4:58**
